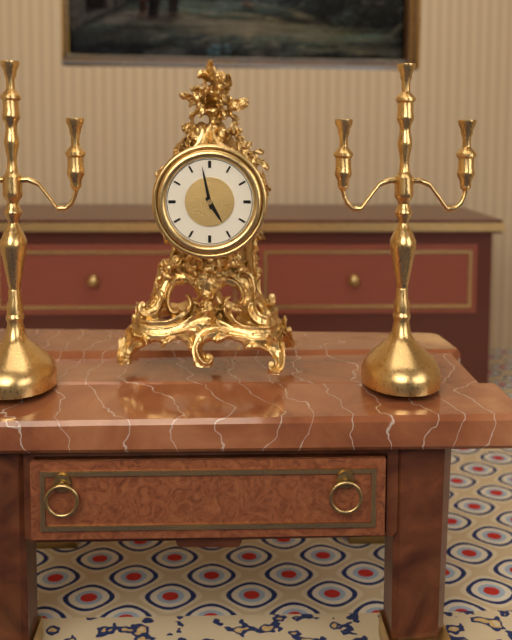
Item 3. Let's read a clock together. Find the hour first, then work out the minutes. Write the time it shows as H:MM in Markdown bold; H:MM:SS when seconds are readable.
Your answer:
**4:58**
